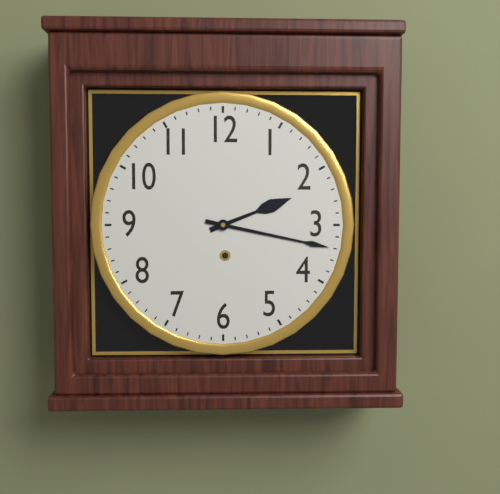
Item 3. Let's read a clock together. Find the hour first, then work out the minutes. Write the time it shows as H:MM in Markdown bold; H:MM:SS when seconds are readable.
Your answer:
**2:17**
